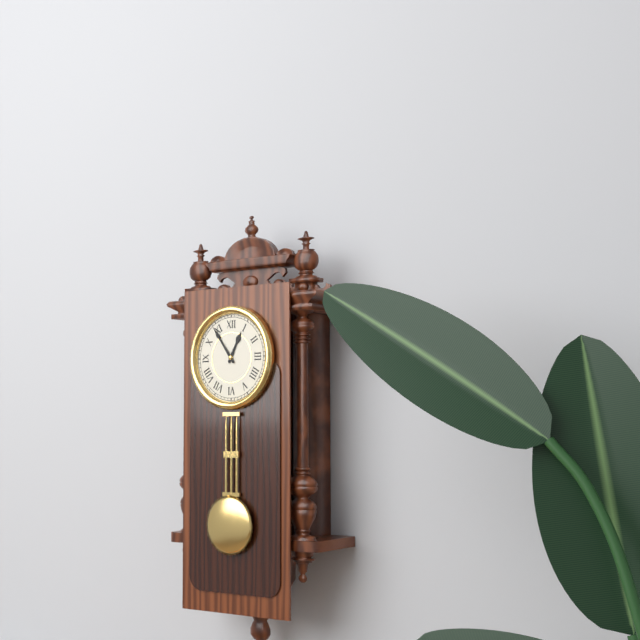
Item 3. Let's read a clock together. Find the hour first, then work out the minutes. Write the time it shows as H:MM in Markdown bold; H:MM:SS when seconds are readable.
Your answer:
**12:54**
